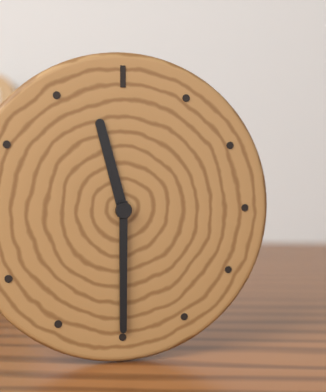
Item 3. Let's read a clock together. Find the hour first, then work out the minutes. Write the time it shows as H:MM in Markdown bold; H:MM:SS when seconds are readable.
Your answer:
**11:30**
